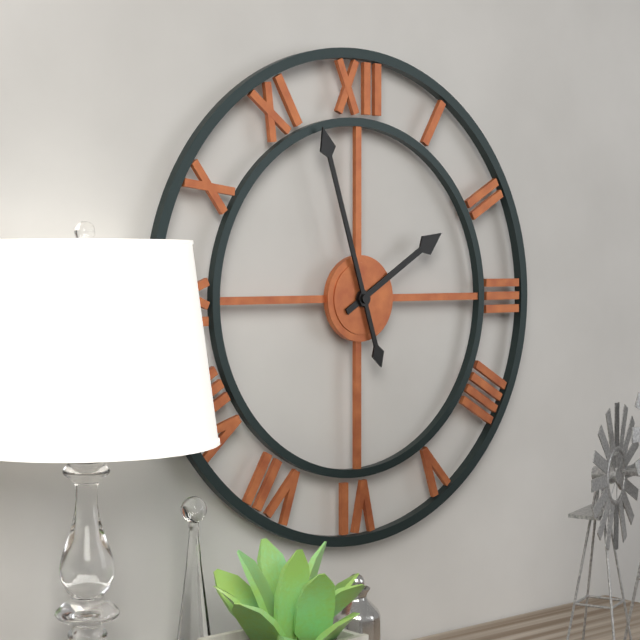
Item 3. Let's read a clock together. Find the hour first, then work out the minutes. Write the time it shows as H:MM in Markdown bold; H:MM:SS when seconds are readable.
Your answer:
**1:57**
